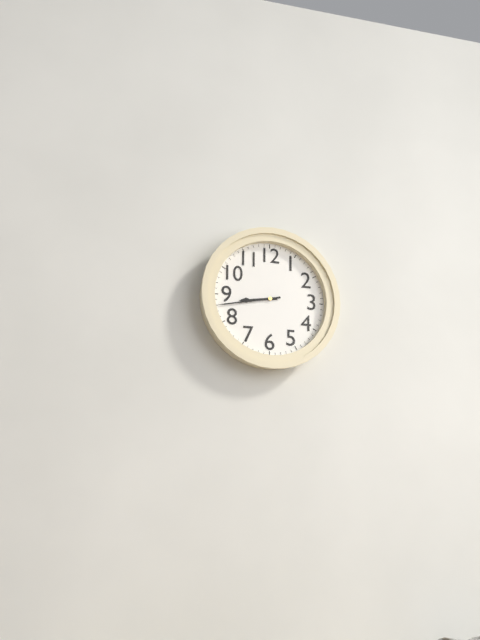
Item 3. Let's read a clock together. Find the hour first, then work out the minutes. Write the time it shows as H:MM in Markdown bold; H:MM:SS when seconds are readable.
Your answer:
**8:43**
